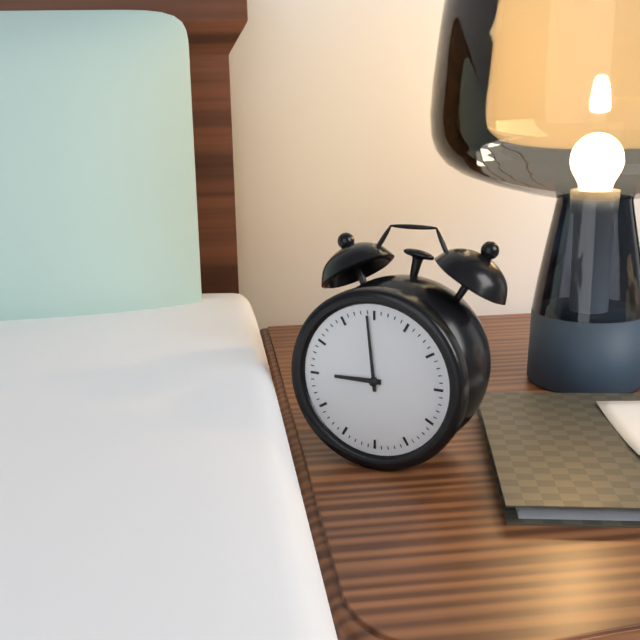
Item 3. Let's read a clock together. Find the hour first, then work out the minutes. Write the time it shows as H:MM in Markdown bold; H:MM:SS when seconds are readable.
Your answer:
**8:59**
